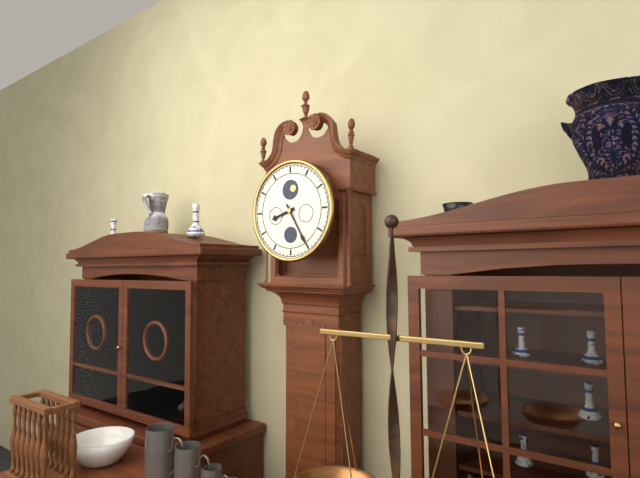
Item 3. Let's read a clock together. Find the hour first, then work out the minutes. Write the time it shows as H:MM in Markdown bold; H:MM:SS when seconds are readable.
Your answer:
**8:25**
